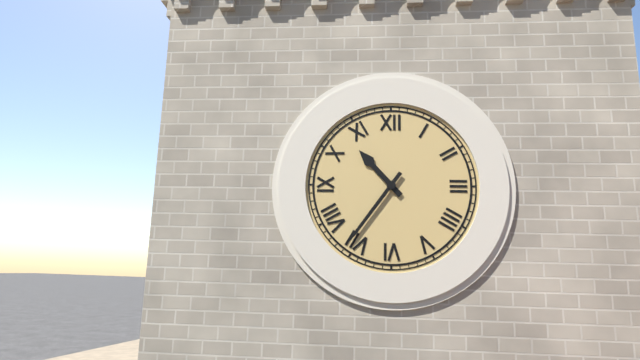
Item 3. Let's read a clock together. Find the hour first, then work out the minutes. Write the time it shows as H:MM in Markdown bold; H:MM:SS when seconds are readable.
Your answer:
**10:36**
